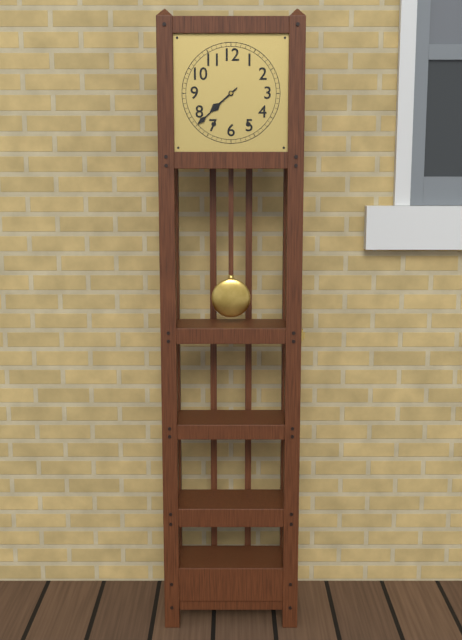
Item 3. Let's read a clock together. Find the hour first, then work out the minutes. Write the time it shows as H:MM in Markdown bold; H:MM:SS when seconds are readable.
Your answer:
**7:38**
